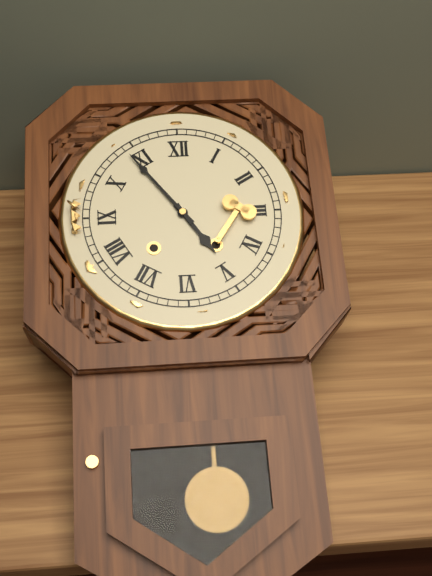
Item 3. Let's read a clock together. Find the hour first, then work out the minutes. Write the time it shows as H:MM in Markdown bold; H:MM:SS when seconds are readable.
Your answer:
**4:54**
